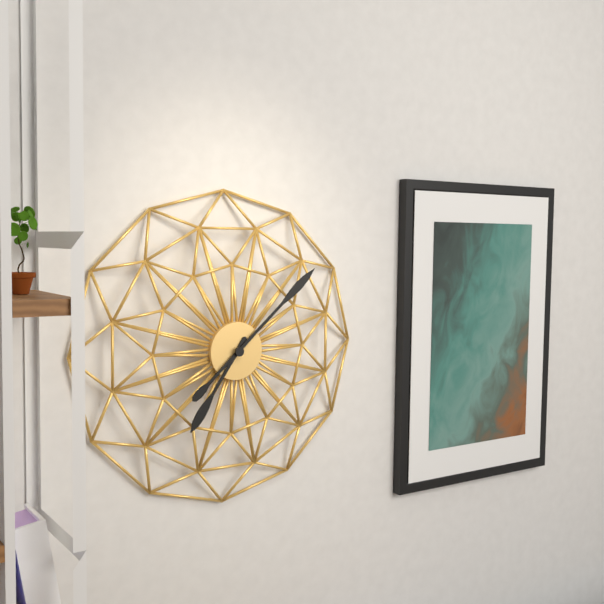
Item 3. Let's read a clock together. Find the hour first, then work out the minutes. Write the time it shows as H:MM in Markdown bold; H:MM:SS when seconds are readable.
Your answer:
**7:08**
